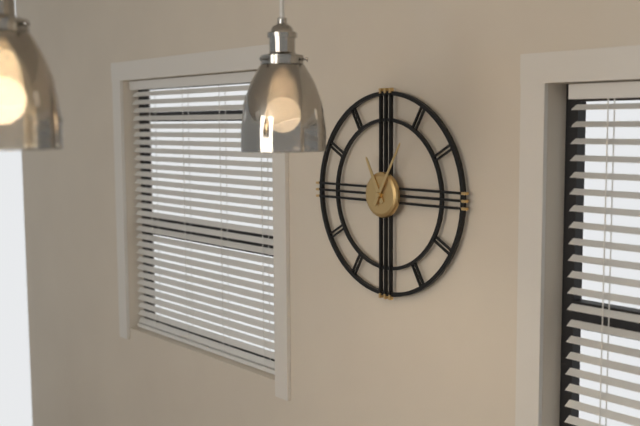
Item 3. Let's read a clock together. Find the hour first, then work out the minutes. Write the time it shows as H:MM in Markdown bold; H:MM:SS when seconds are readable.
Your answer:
**11:05**
